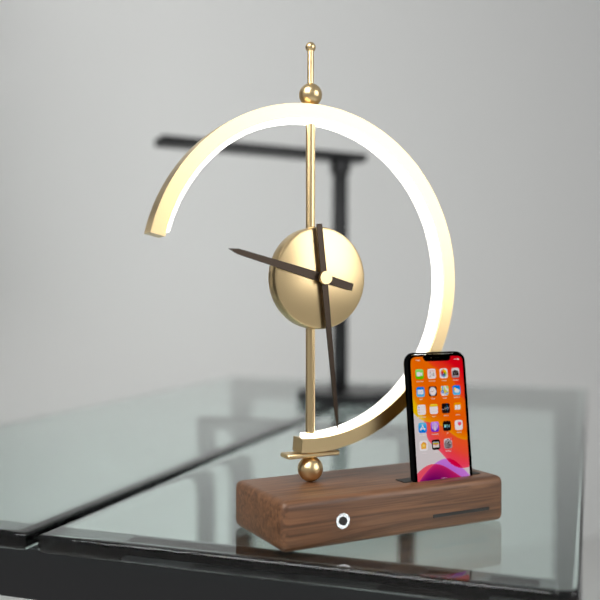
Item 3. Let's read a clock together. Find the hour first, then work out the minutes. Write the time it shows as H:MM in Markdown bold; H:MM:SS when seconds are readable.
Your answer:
**9:29**
